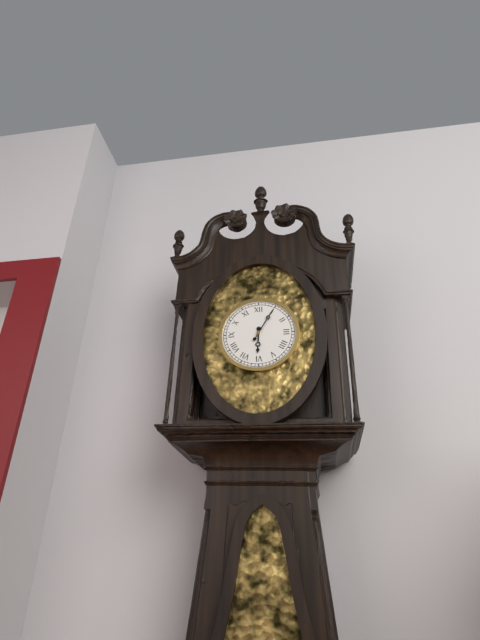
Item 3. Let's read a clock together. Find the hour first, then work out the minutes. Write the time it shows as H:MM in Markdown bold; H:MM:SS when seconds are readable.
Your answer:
**6:05**
